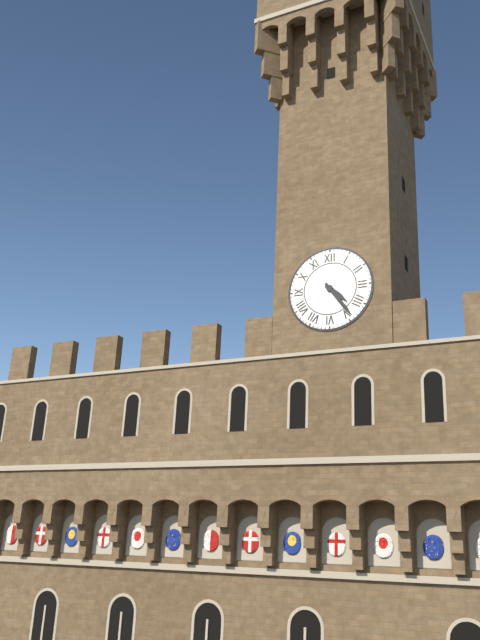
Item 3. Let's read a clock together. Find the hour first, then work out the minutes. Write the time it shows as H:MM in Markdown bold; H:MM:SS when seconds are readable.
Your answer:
**4:24**
